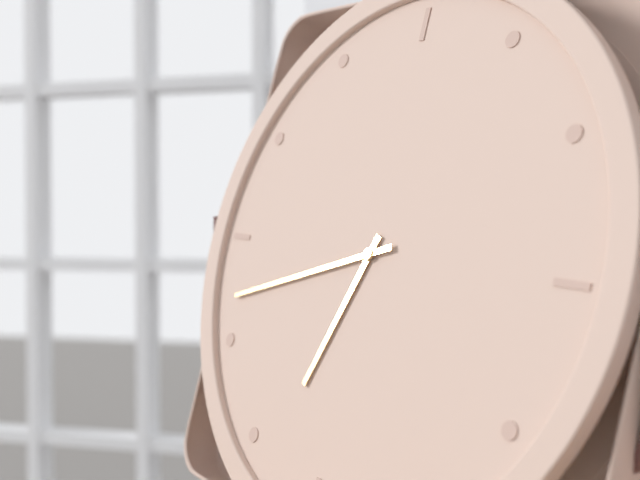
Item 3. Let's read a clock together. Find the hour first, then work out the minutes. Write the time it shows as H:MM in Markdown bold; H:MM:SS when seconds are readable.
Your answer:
**6:42**
